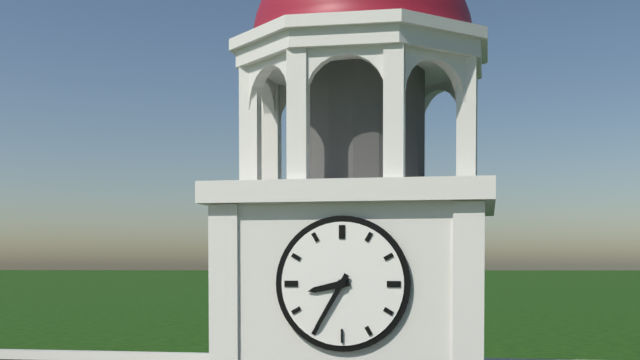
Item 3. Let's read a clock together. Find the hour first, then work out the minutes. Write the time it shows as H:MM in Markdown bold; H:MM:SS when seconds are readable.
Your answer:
**8:35**
